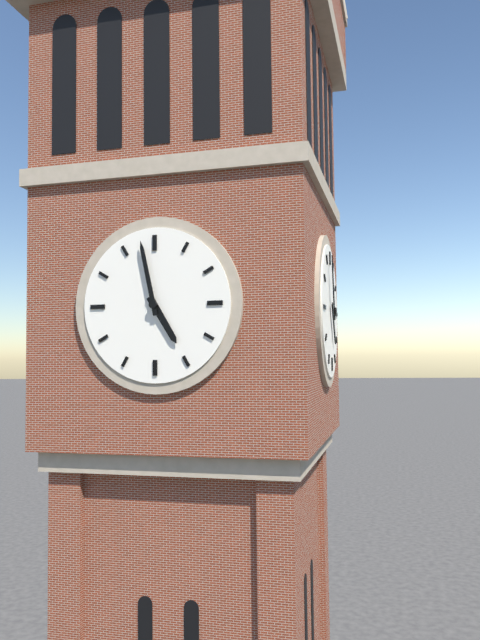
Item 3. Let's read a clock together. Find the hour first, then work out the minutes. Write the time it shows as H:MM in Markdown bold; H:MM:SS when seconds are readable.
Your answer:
**4:58**
